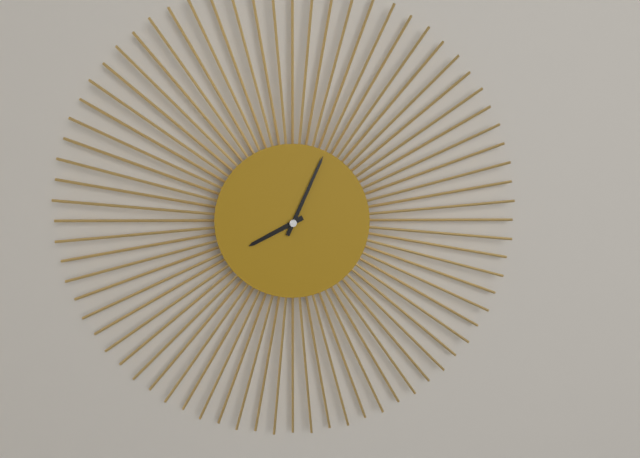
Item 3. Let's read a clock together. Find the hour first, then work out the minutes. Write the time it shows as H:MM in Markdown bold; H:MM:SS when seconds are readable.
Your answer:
**8:04**
